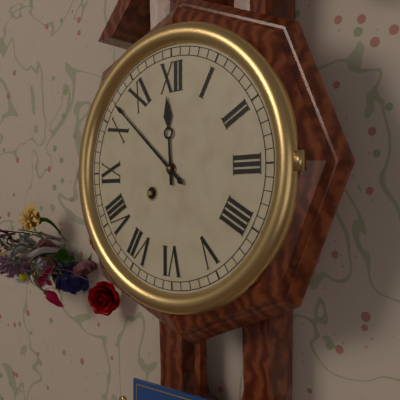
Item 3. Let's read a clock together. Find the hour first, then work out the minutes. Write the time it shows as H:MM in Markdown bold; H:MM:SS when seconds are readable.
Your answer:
**11:52**
